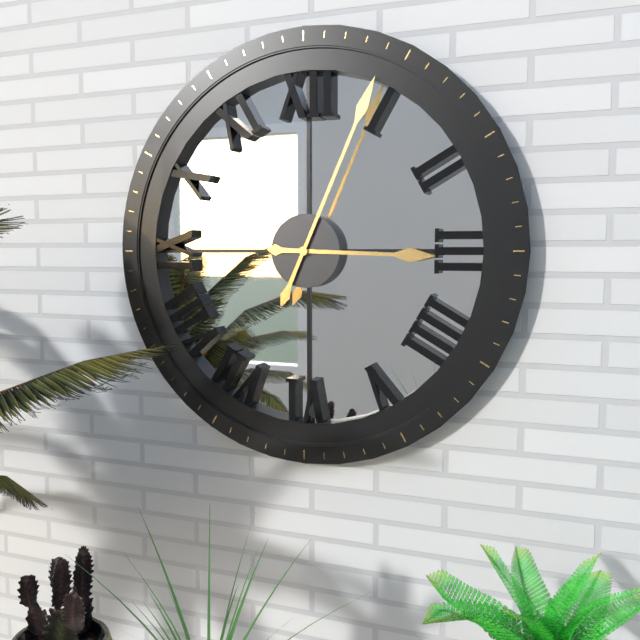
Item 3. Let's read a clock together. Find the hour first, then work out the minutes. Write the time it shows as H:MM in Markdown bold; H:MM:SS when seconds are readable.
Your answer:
**3:04**
